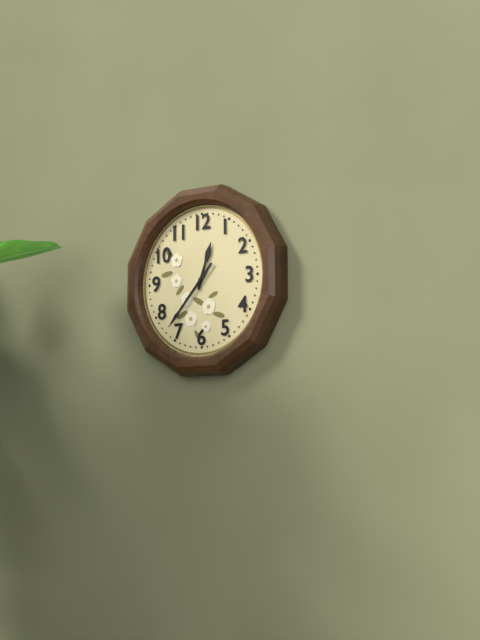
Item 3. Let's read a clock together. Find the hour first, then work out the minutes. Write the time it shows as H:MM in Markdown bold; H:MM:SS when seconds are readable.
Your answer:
**12:37**
